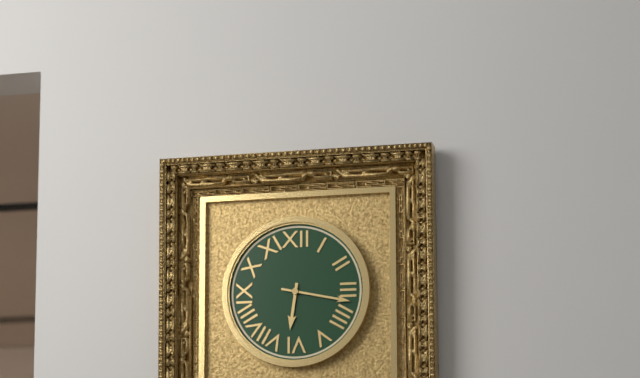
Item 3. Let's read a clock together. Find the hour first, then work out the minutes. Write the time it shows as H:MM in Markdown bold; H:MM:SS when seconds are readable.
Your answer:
**6:17**
